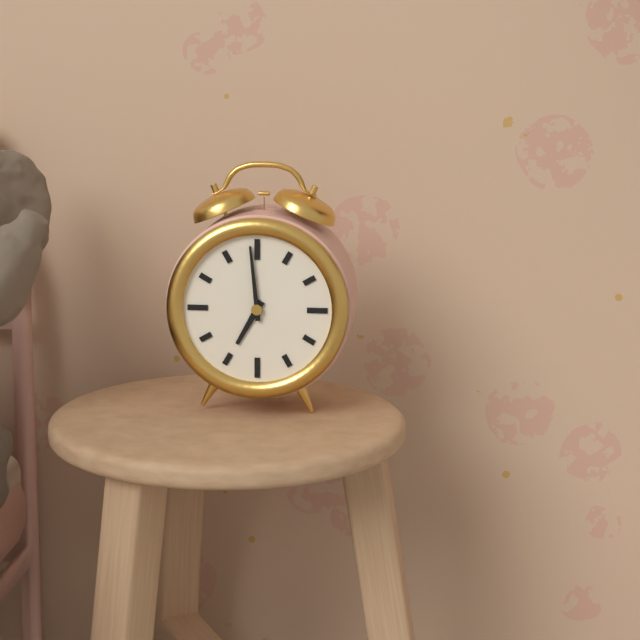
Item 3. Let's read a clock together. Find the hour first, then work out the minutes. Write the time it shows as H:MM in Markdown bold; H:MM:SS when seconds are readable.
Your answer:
**6:59**
